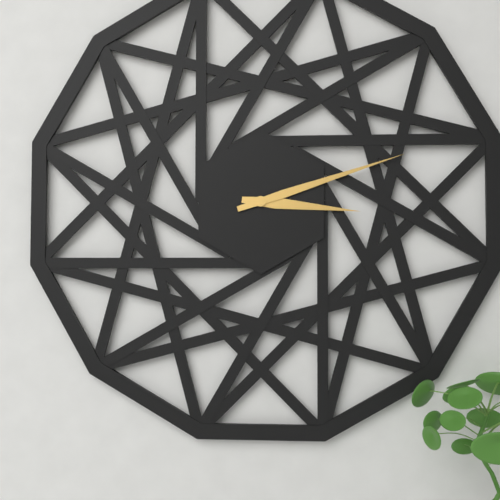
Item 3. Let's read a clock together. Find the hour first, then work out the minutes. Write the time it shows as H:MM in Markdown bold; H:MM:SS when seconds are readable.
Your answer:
**3:12**
